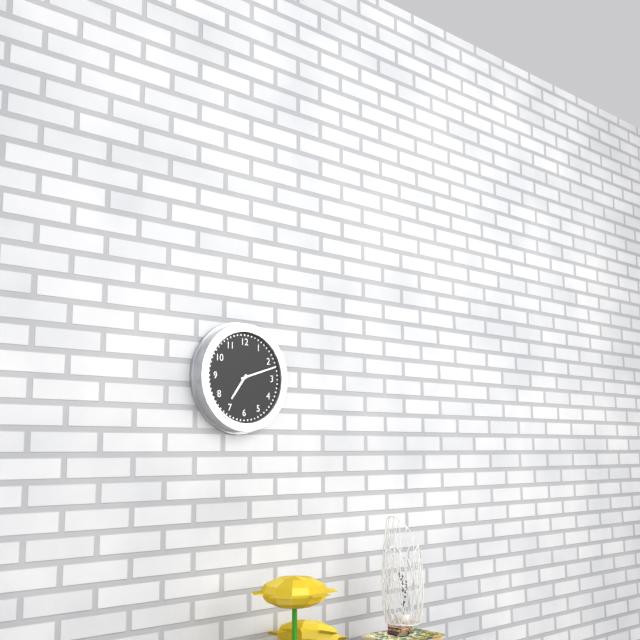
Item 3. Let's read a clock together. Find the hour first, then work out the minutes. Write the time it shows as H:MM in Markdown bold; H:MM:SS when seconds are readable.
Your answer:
**7:12**
